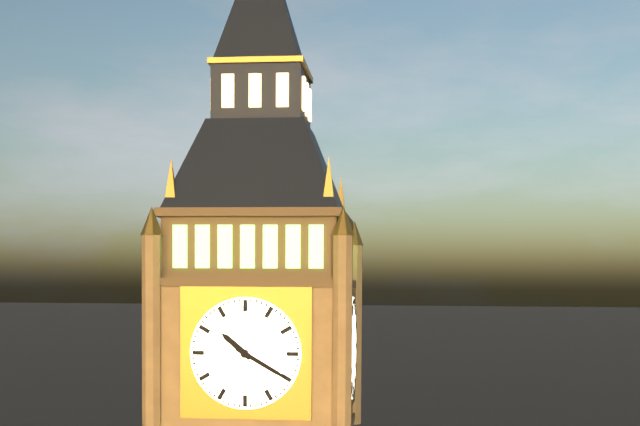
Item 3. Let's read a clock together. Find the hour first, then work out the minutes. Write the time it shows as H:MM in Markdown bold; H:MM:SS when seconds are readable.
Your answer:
**10:20**
